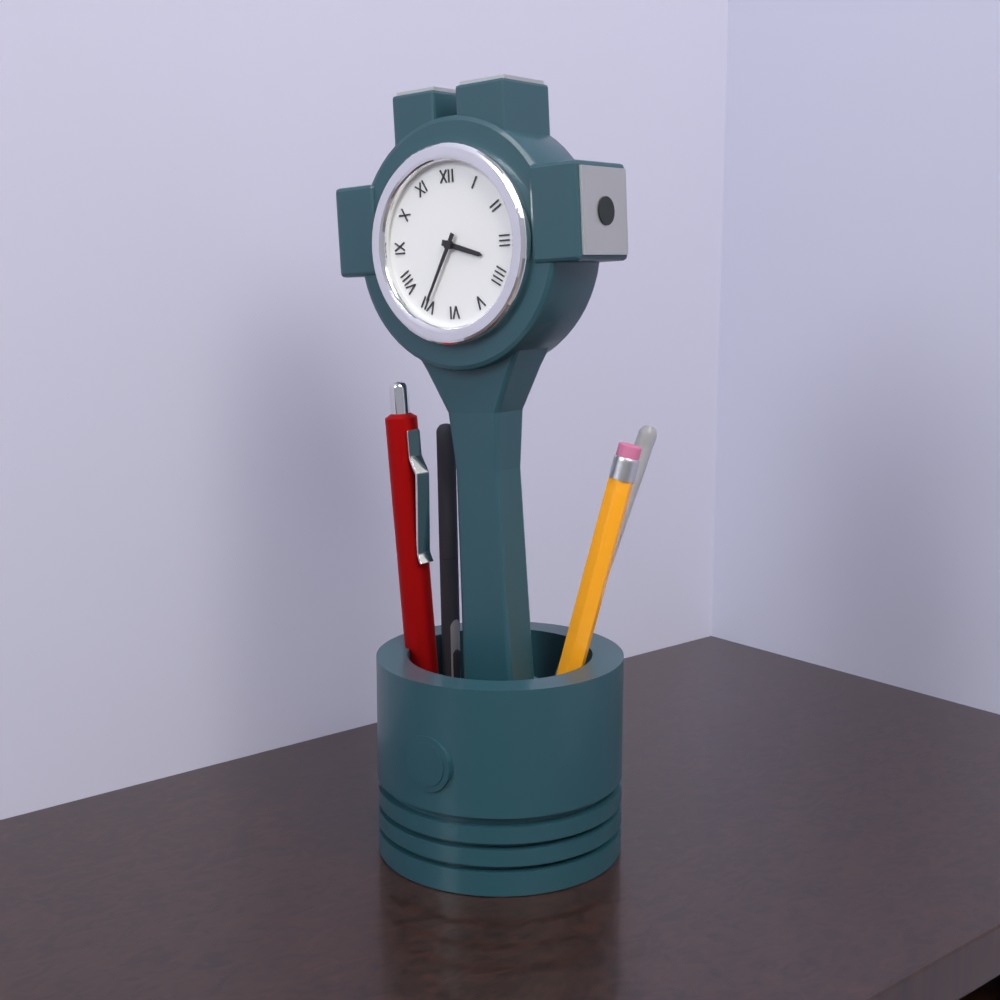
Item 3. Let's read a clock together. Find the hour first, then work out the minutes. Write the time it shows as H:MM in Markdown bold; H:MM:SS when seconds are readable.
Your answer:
**3:35**
